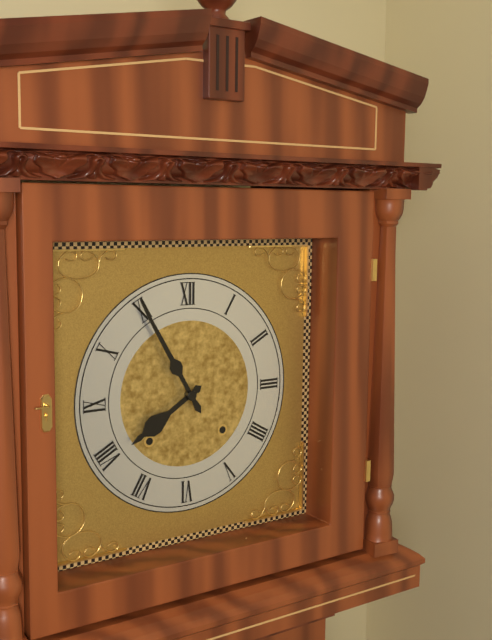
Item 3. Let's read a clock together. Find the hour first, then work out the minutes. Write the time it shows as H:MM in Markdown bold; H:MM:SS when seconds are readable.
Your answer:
**7:55**
